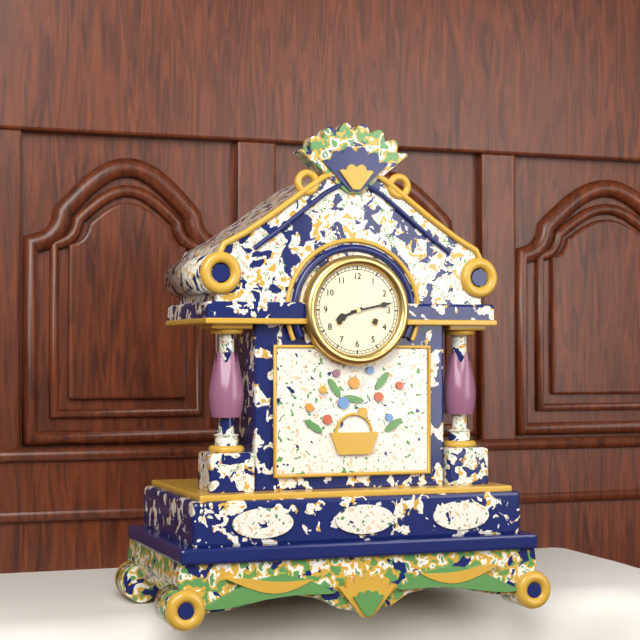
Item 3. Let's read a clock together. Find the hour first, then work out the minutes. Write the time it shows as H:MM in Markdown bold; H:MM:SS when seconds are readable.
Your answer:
**8:13**
